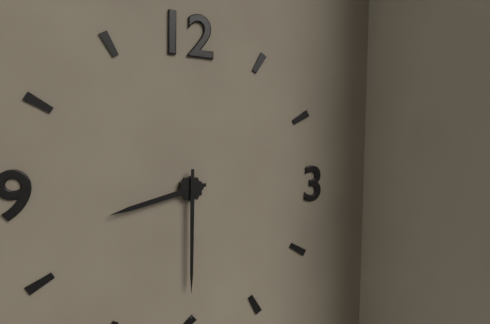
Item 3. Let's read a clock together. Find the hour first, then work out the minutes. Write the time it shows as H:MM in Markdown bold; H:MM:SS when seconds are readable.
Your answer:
**8:30**
